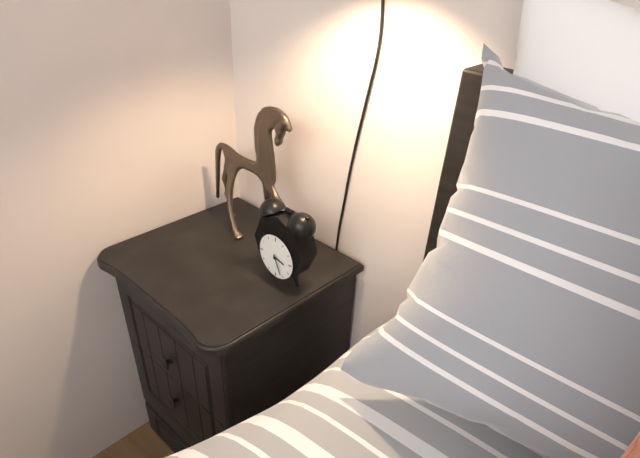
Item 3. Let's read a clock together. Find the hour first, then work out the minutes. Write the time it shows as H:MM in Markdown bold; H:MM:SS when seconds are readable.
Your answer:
**3:26**
